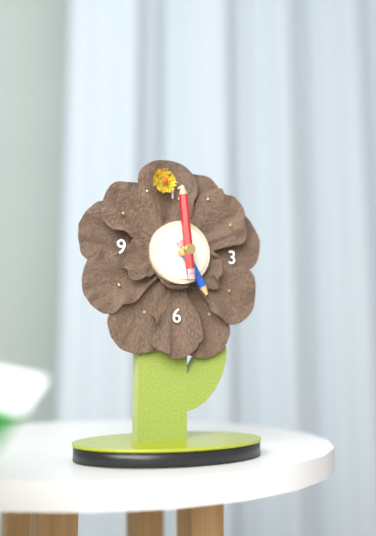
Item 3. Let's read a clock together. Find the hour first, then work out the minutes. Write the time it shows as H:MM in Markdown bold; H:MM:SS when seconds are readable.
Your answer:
**4:59**
